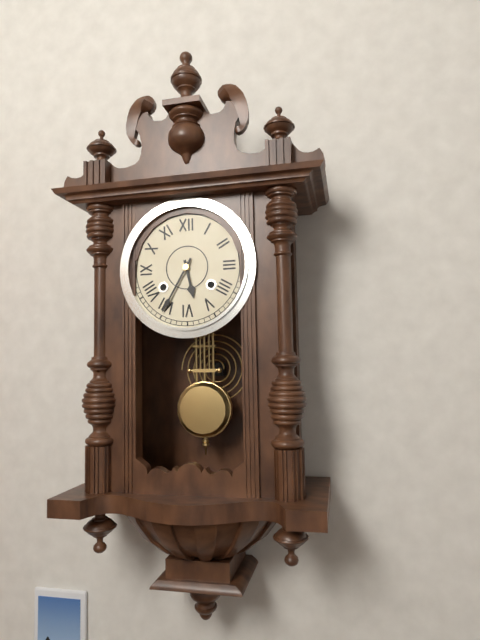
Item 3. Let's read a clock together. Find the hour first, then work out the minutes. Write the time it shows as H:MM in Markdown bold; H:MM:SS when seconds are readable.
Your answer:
**5:35**
